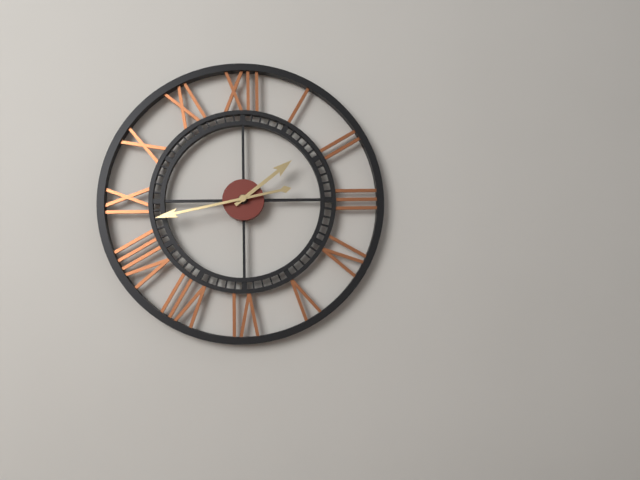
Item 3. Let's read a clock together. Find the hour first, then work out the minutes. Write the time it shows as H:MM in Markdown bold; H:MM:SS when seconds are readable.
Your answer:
**1:43**
